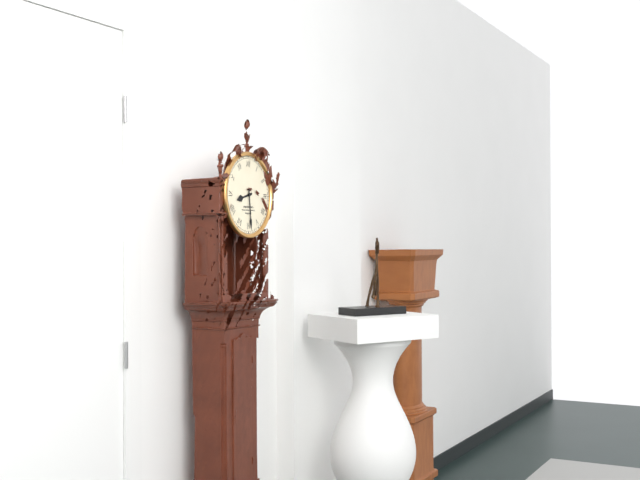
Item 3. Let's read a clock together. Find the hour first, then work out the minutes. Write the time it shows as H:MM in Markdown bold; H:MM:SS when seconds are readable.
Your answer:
**8:29**
